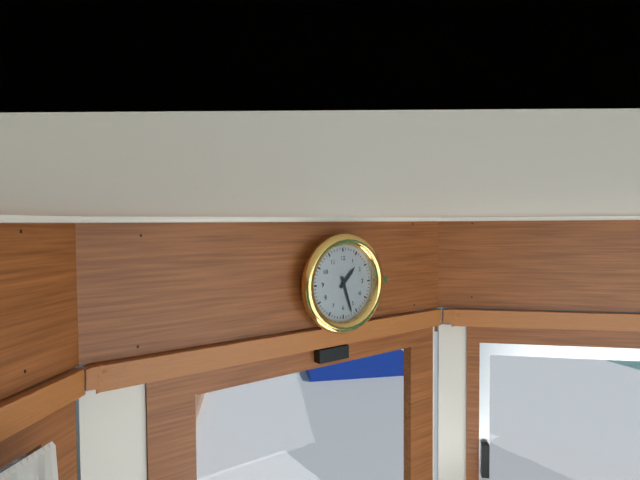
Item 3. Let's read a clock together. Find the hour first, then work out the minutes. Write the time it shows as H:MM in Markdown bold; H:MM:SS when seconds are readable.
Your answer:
**1:27**
